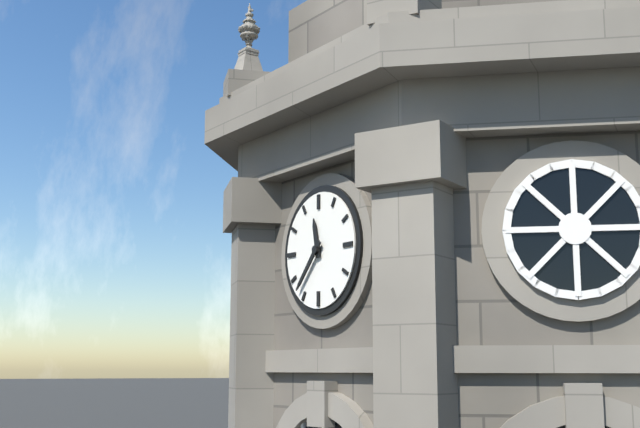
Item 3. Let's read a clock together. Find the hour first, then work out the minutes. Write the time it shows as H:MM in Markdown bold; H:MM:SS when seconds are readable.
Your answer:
**11:37**
